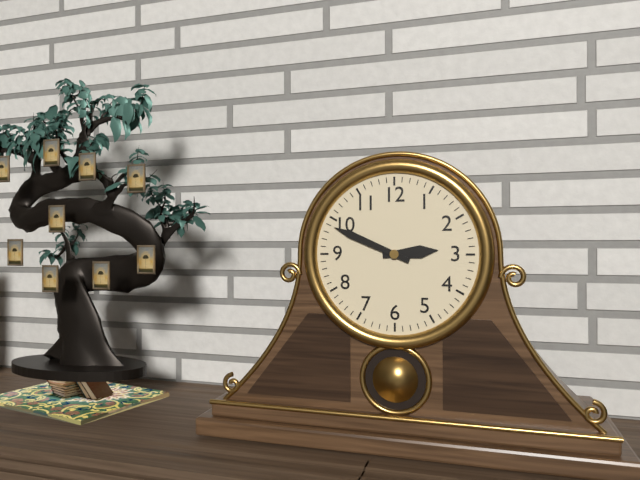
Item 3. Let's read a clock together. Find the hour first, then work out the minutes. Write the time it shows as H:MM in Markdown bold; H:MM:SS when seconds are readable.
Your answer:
**2:49**
